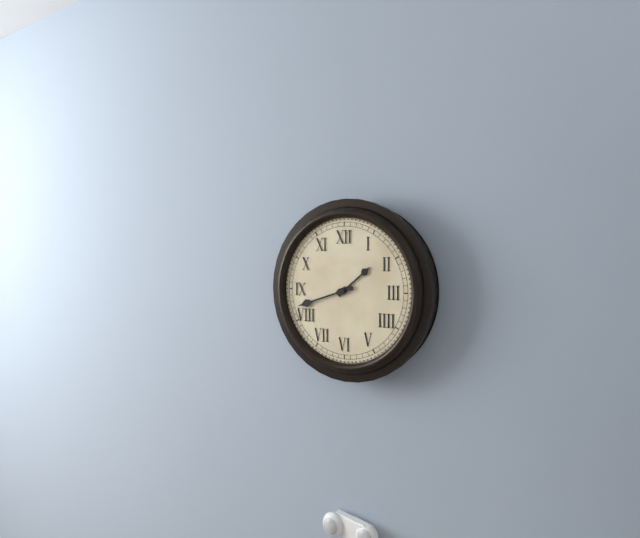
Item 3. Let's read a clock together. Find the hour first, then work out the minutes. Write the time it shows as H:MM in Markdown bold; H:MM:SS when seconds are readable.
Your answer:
**1:42**
